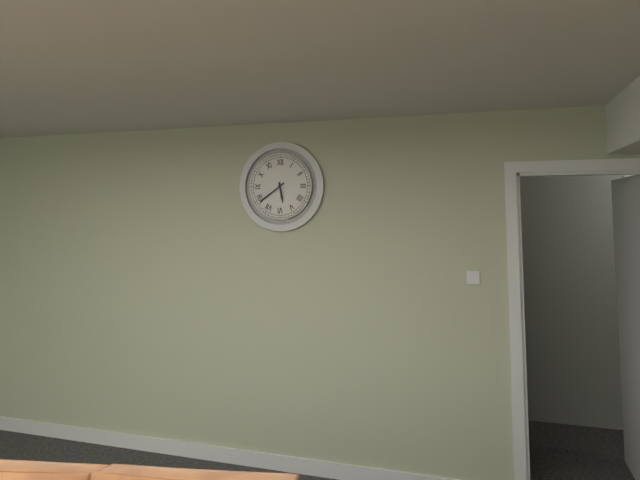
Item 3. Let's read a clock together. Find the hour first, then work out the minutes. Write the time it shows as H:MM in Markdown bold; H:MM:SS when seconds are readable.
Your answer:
**5:39**
